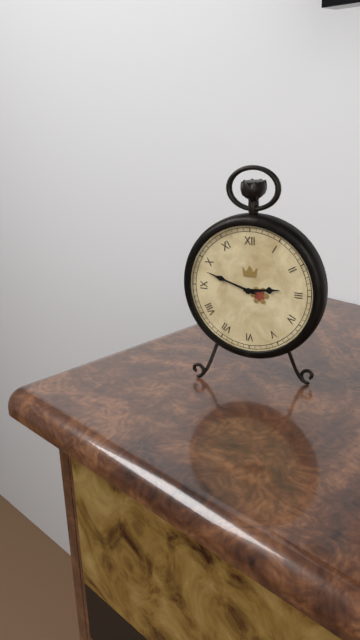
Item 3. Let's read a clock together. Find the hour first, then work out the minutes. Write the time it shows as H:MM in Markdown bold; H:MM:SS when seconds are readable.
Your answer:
**2:48**
